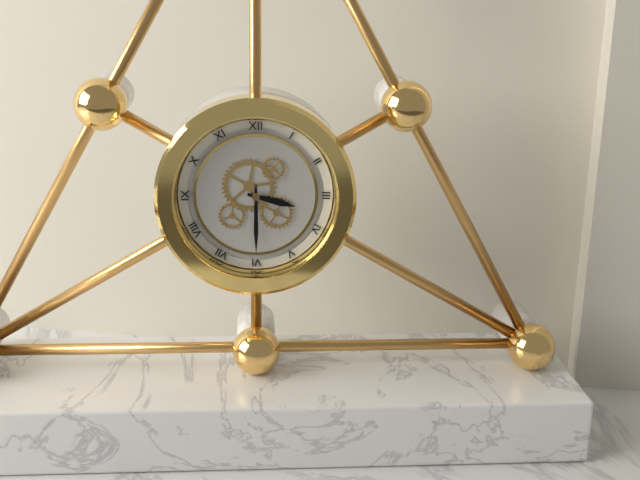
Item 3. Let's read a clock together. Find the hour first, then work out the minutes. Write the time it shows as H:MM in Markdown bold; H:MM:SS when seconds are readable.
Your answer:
**3:30**
